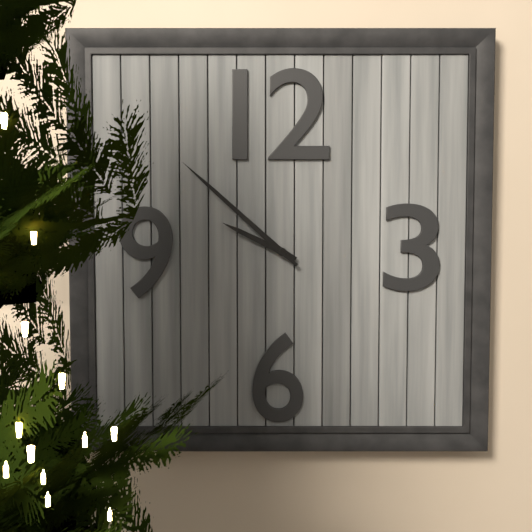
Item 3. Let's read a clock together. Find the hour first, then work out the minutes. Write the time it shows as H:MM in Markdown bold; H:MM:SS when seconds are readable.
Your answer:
**9:52**
